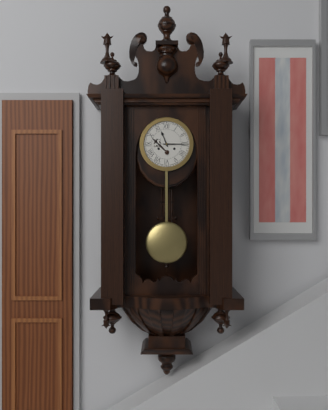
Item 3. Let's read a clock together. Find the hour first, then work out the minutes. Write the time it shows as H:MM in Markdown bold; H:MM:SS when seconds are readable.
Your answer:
**11:15**
